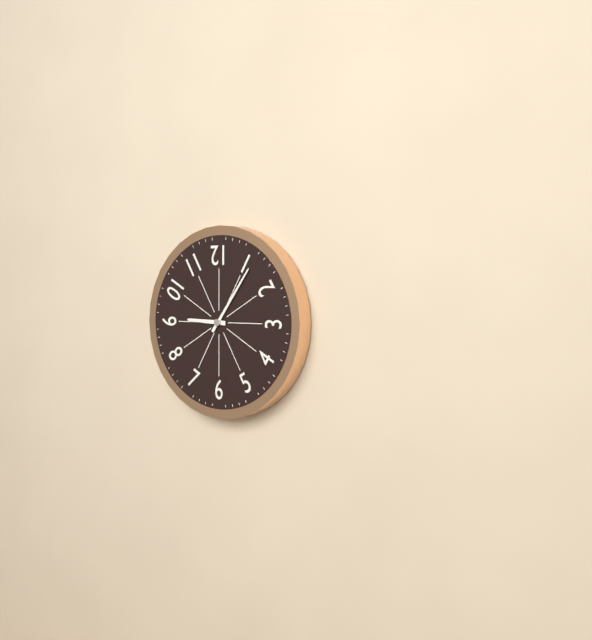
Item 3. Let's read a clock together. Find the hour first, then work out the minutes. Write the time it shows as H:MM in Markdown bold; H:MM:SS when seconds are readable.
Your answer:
**9:06**
